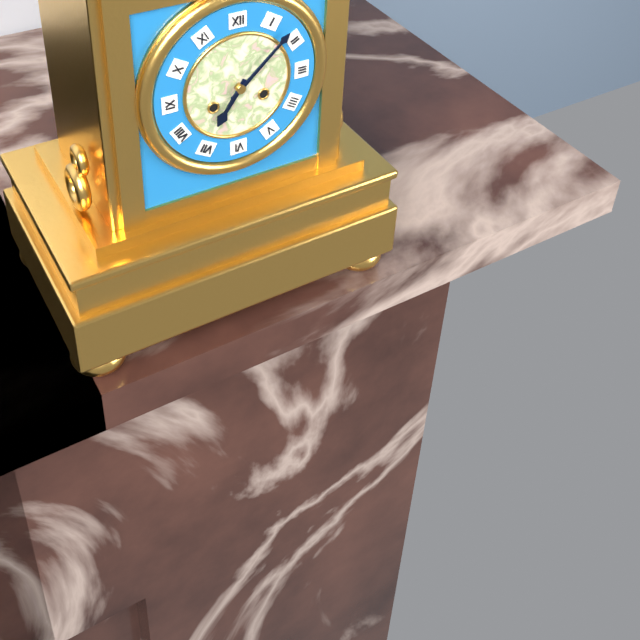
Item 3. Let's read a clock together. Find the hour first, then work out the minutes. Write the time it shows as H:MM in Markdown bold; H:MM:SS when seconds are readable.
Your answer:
**7:08**
